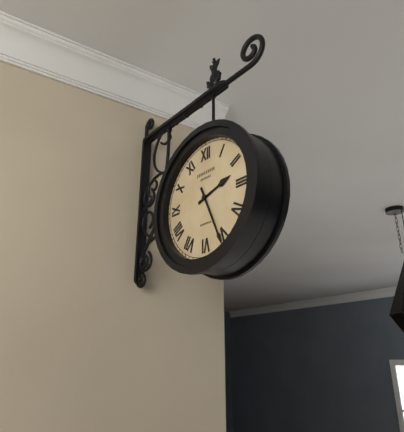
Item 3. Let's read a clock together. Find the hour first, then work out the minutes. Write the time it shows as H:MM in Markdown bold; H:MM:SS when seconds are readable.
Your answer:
**2:26**
